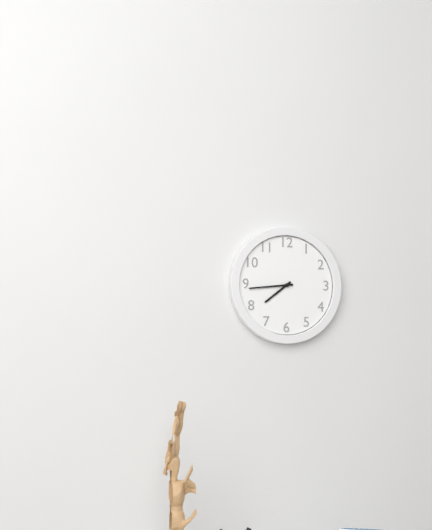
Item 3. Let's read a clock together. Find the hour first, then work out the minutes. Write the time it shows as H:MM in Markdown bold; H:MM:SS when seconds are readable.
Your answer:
**7:44**
